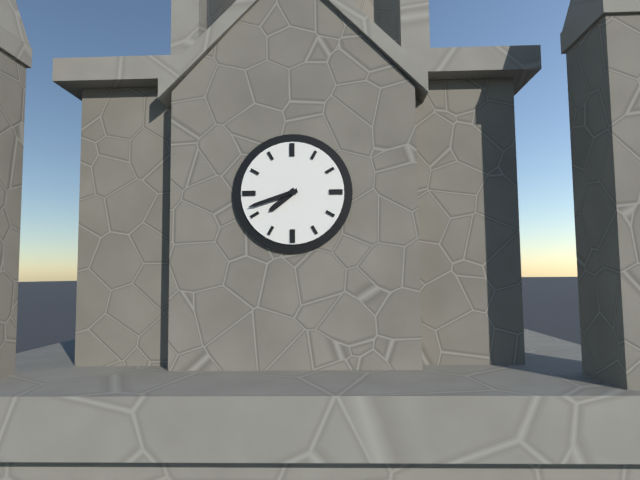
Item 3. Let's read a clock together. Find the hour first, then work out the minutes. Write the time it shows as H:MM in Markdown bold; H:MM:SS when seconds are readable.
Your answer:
**7:42**
